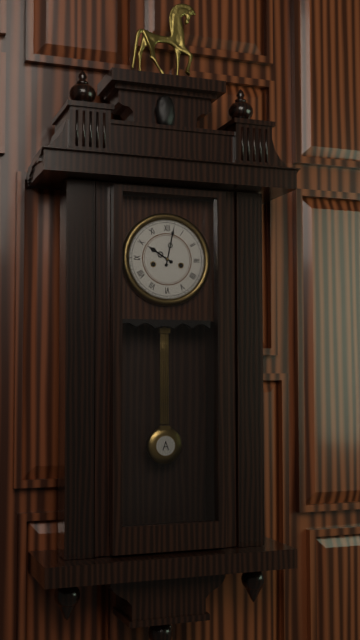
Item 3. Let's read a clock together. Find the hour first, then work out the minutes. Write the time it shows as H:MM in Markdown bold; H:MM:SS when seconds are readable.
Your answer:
**10:02**
